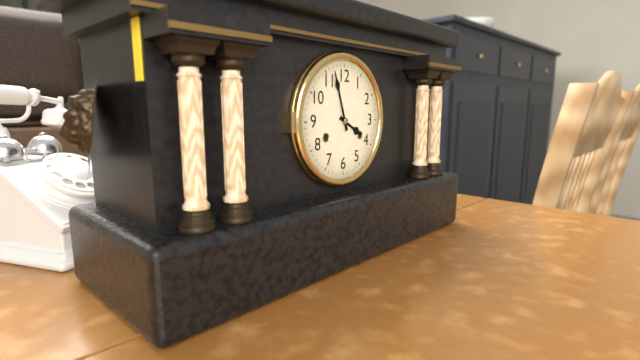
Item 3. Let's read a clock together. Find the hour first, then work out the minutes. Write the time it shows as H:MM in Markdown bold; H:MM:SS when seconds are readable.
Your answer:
**3:57**
